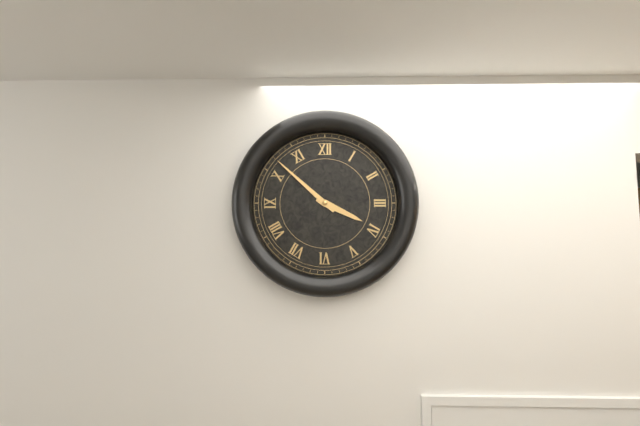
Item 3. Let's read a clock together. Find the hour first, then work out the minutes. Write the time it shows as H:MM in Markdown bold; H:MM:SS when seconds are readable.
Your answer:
**3:52**
